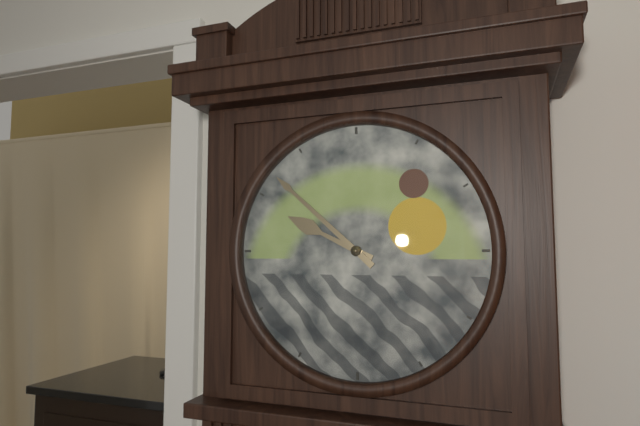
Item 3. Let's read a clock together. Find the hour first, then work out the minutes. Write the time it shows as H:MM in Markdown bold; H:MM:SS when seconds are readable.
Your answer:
**9:52**
